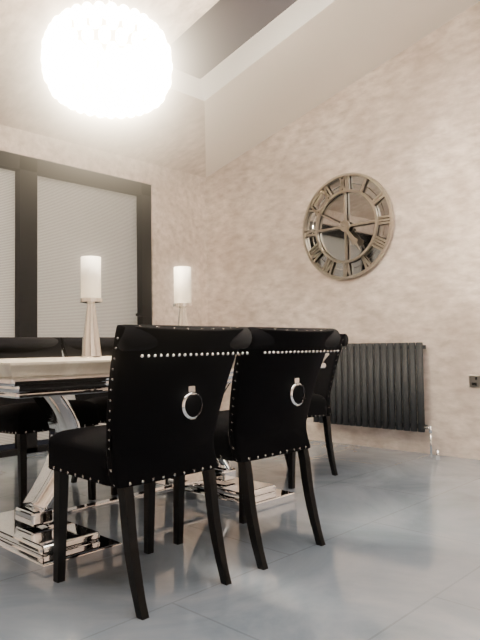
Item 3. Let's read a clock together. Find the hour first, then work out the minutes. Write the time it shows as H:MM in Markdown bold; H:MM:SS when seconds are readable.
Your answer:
**4:50**
